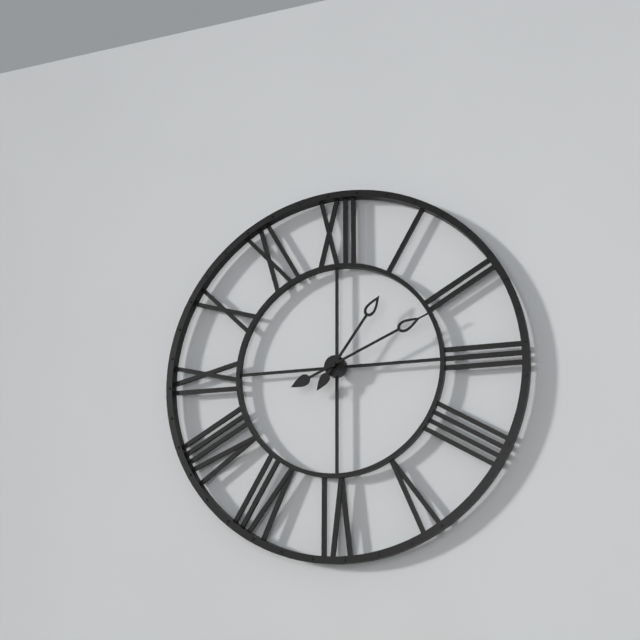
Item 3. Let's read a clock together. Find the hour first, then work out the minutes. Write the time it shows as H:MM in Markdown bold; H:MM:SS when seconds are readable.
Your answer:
**1:11**
